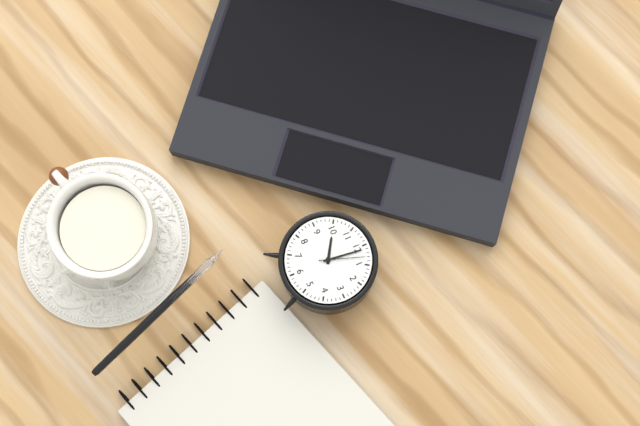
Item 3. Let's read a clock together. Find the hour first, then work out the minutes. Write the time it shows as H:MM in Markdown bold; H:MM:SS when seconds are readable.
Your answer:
**10:01**
